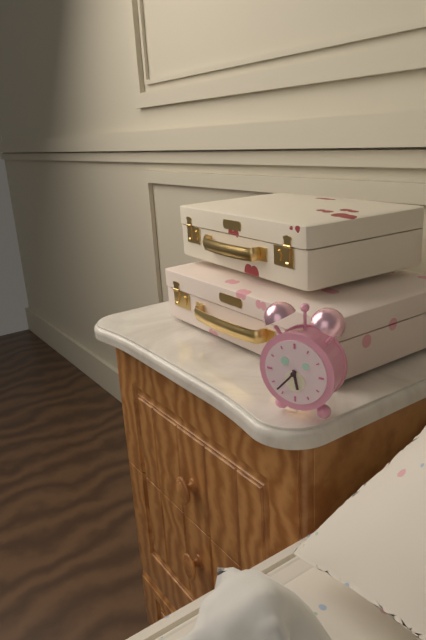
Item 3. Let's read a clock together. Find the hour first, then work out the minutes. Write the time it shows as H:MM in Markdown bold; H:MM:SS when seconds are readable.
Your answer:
**5:37**
